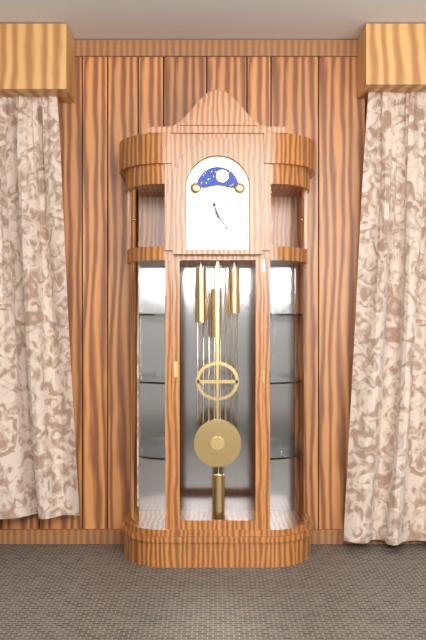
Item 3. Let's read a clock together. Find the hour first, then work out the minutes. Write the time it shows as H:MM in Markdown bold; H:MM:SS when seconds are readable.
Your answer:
**11:24**
